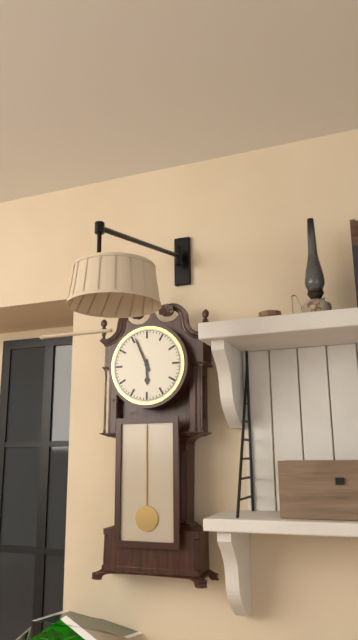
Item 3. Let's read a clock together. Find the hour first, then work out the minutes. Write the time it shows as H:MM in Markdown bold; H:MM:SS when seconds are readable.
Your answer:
**5:56**
